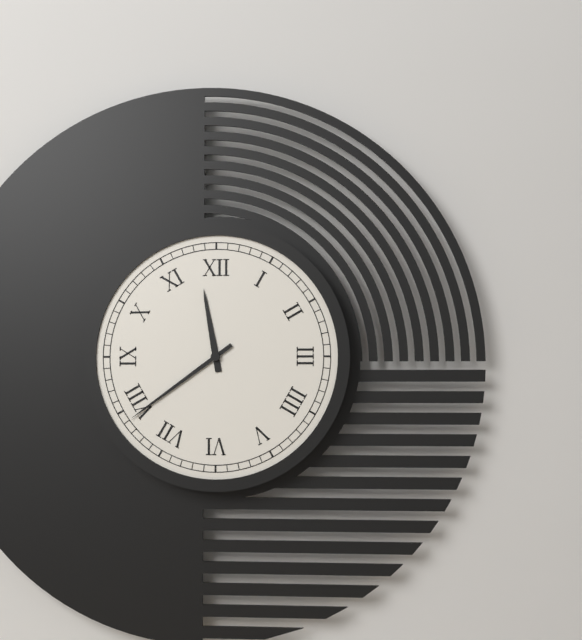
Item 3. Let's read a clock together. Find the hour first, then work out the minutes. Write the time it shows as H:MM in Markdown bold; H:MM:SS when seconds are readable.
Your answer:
**11:39**
